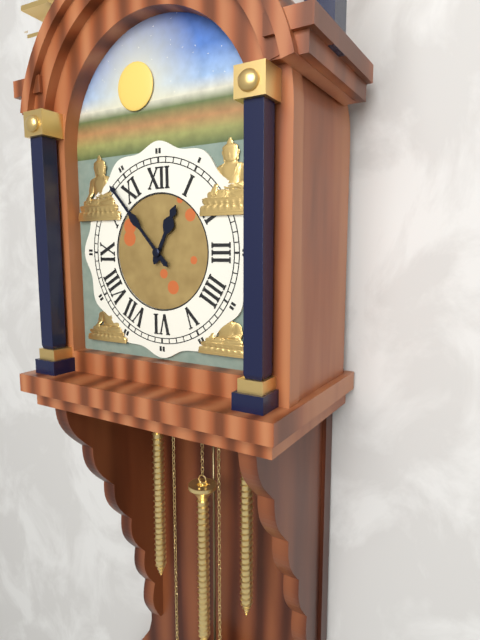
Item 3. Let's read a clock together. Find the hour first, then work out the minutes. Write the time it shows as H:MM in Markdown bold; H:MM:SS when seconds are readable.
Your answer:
**12:53**
